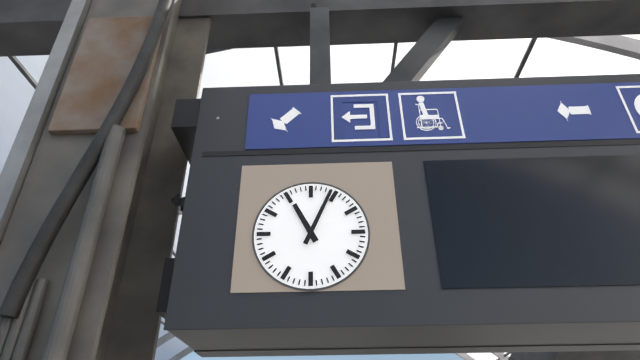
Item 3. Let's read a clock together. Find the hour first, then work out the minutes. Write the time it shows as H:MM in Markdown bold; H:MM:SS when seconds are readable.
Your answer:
**11:04**
